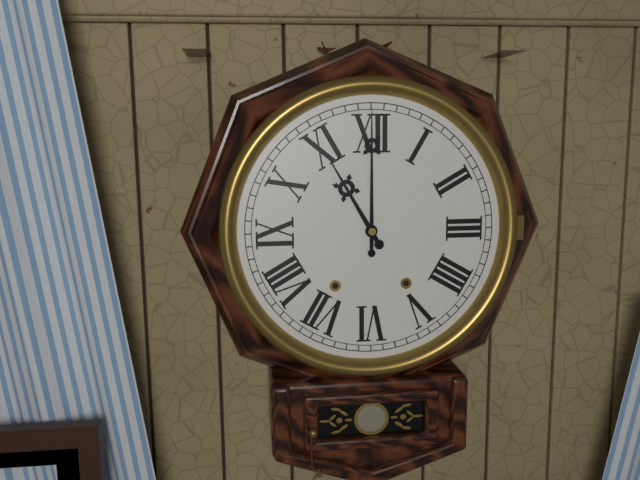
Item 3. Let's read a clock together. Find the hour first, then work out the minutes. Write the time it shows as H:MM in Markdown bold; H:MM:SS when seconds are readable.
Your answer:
**11:00**
